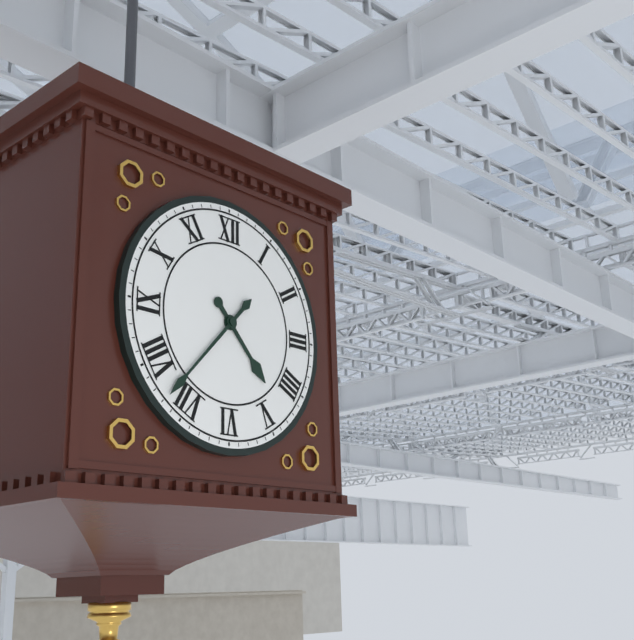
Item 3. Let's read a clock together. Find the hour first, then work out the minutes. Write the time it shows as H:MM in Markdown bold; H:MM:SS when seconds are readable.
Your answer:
**4:37**
